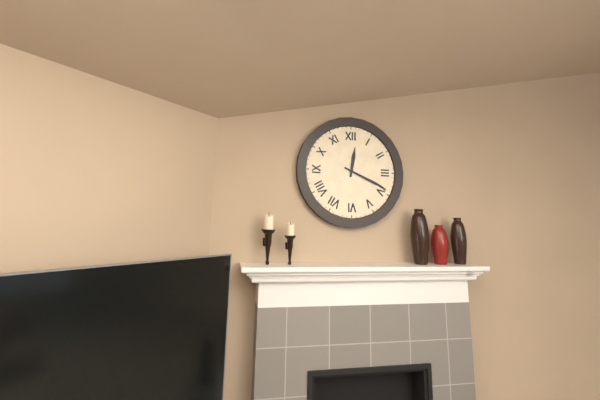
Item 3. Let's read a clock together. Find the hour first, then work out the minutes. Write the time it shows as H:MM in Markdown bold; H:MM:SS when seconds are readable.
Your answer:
**12:19**
